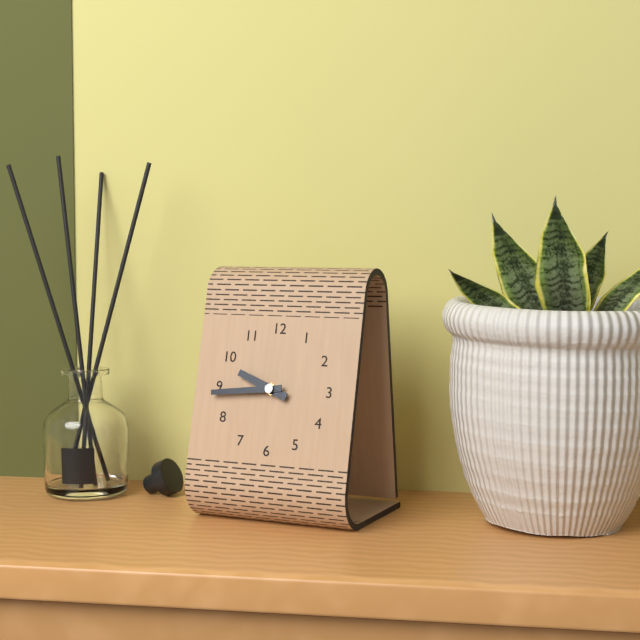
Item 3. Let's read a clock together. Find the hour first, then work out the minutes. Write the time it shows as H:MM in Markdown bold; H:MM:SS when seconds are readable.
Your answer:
**9:44**
